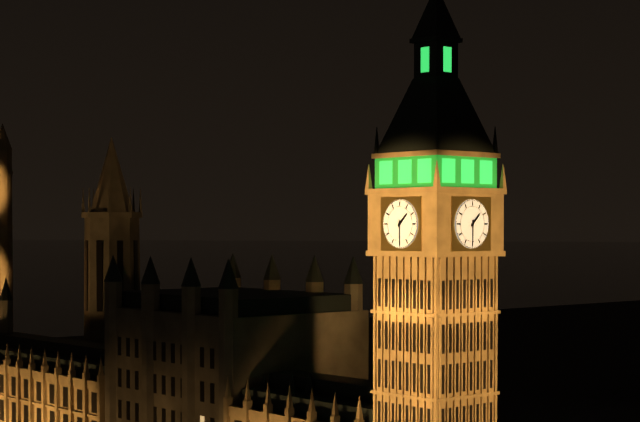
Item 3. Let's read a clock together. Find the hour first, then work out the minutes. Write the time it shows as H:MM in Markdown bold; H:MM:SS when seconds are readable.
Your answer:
**1:30**
